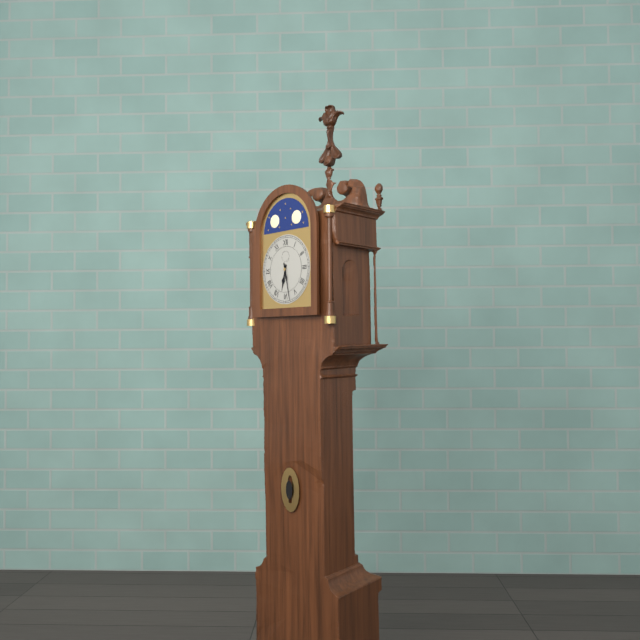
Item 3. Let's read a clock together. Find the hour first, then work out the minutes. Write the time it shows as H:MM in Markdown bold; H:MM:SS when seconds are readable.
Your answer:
**6:28**
